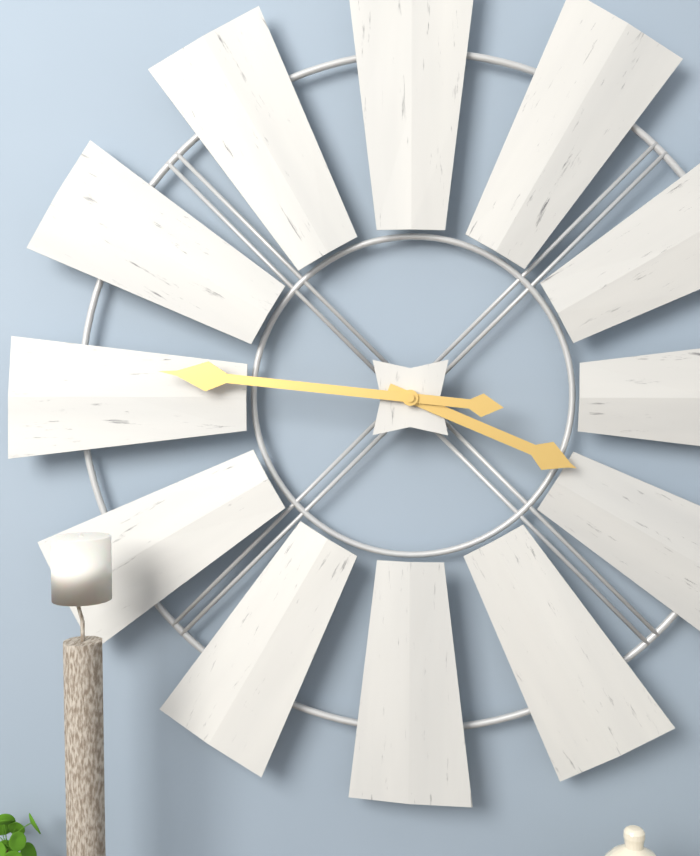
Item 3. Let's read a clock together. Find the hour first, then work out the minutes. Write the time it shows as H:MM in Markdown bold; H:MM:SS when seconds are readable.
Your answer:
**3:46**
